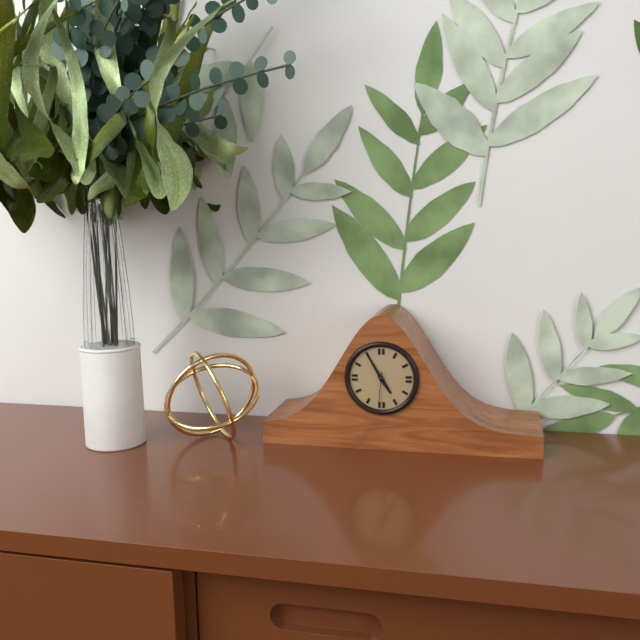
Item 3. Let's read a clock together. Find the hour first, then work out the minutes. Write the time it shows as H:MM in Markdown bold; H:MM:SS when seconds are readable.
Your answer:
**4:55**
